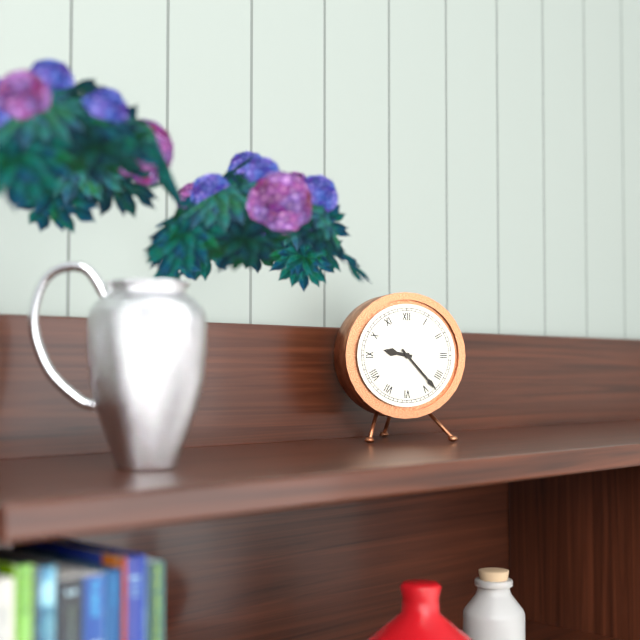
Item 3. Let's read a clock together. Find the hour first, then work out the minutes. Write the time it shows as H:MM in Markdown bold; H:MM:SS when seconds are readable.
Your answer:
**9:23**
